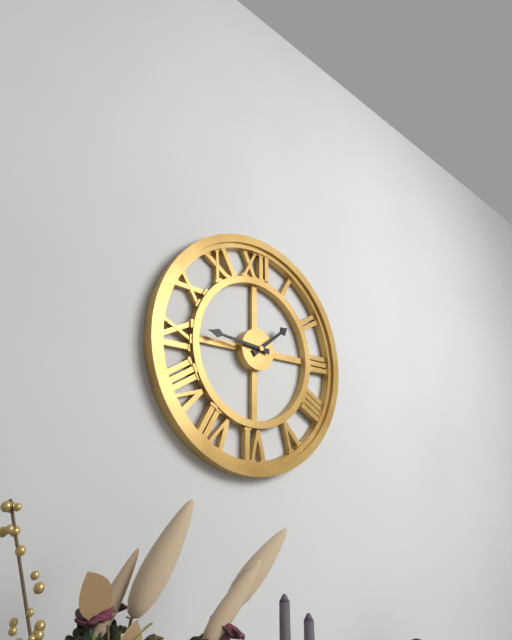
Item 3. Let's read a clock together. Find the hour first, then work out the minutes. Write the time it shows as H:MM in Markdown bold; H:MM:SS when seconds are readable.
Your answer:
**1:46**
